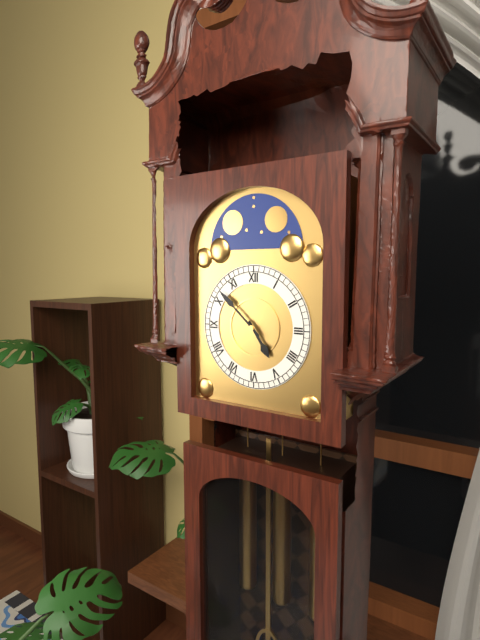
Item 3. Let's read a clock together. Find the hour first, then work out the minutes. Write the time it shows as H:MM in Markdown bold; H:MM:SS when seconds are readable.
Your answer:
**4:52**
